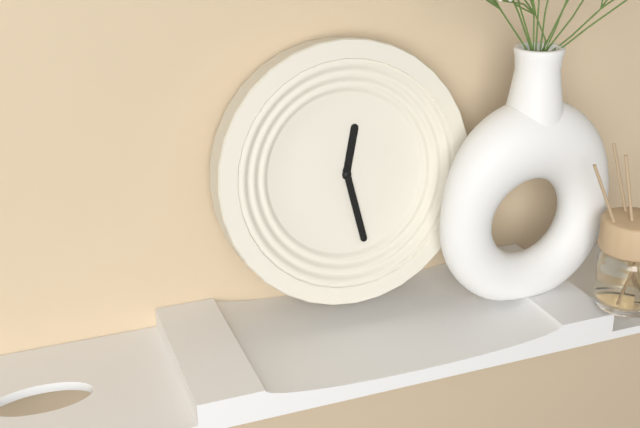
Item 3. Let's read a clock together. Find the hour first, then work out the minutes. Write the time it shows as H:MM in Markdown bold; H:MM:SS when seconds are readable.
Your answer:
**12:28**
